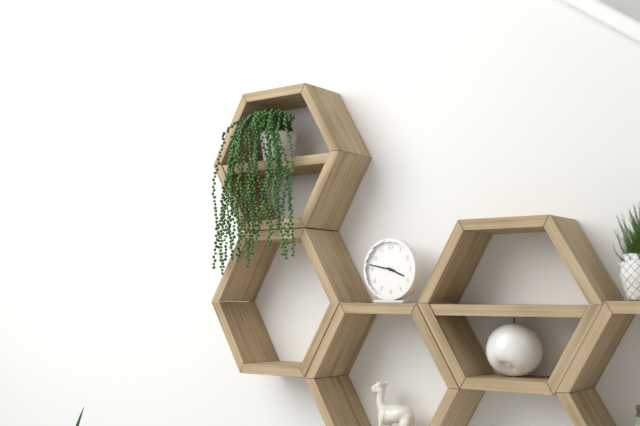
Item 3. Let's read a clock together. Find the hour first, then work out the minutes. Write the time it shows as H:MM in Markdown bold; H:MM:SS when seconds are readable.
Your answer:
**3:47**
